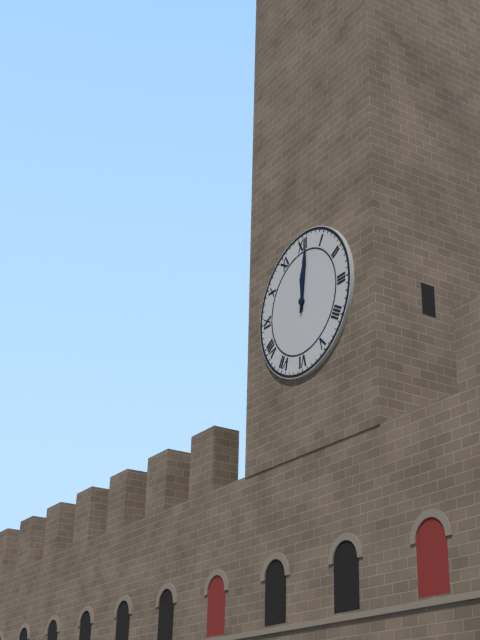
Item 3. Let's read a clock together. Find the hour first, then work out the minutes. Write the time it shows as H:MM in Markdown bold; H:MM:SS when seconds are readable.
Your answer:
**12:01**
